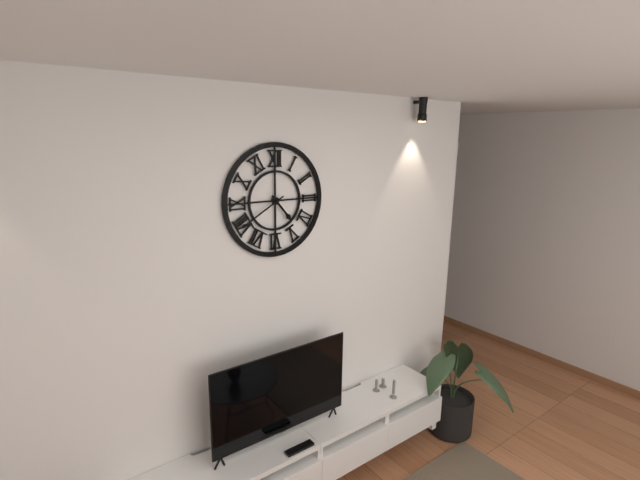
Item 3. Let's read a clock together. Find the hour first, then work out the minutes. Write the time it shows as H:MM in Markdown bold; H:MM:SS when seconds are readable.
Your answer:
**4:40**
